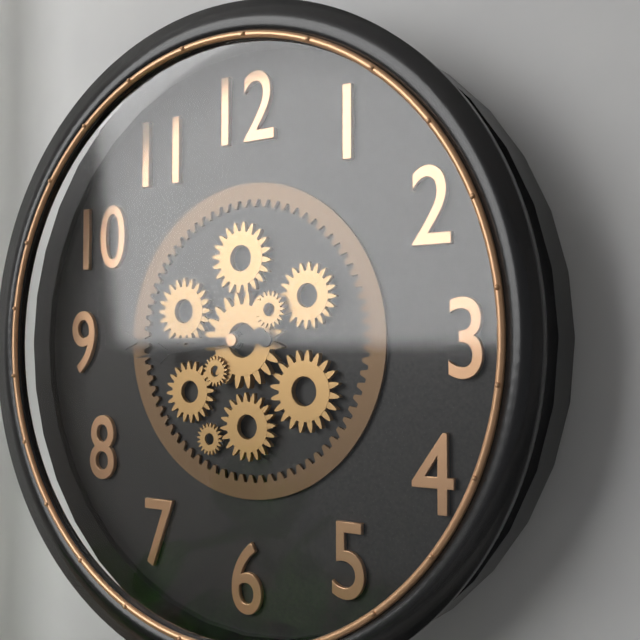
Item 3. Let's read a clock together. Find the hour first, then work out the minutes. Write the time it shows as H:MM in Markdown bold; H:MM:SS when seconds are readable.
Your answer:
**8:45**
